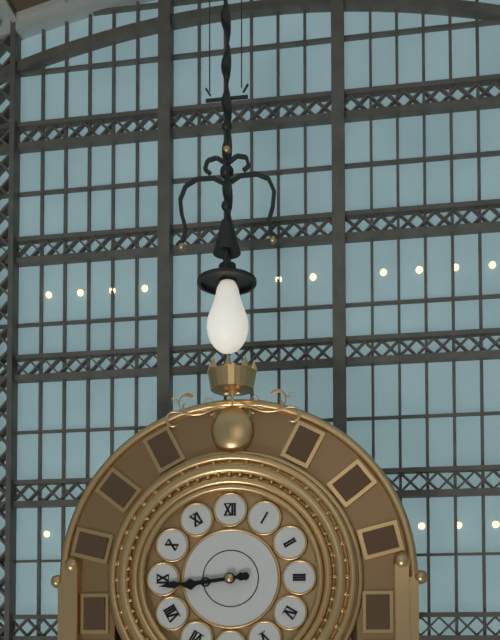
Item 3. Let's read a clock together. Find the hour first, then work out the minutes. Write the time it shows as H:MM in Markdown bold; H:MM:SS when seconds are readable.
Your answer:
**8:44**
